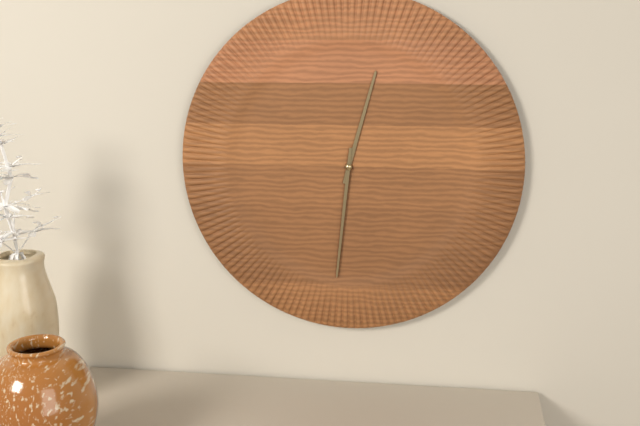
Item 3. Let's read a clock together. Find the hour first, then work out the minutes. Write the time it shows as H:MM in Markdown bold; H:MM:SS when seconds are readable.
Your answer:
**12:31**
